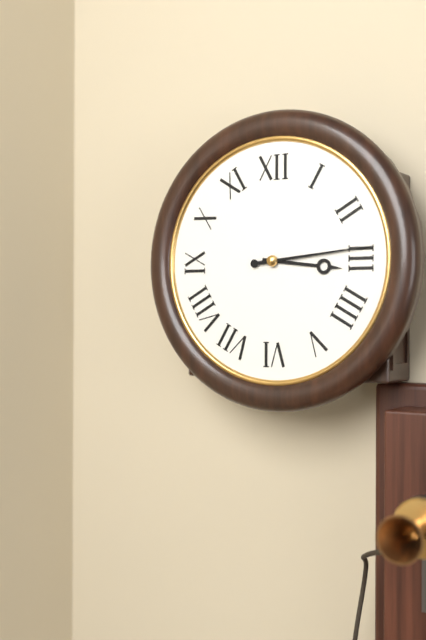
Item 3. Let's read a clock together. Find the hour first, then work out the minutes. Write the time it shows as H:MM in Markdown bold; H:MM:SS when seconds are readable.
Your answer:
**3:14**
